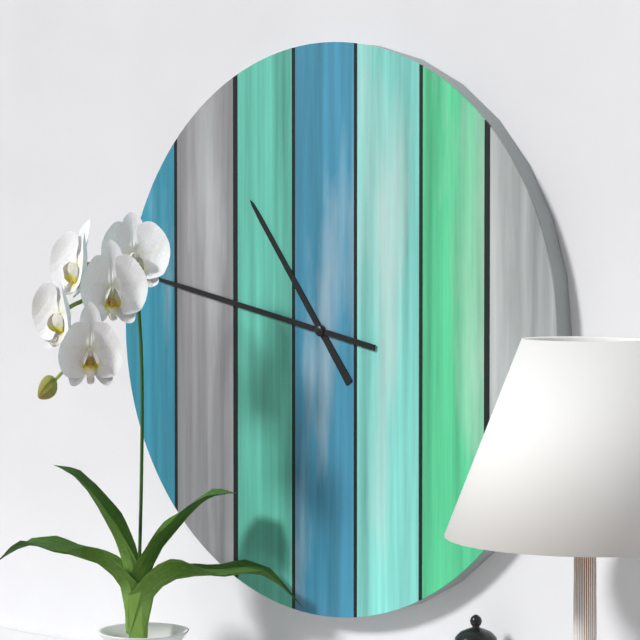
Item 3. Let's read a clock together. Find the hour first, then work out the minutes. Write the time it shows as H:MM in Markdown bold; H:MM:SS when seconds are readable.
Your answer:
**10:47**
